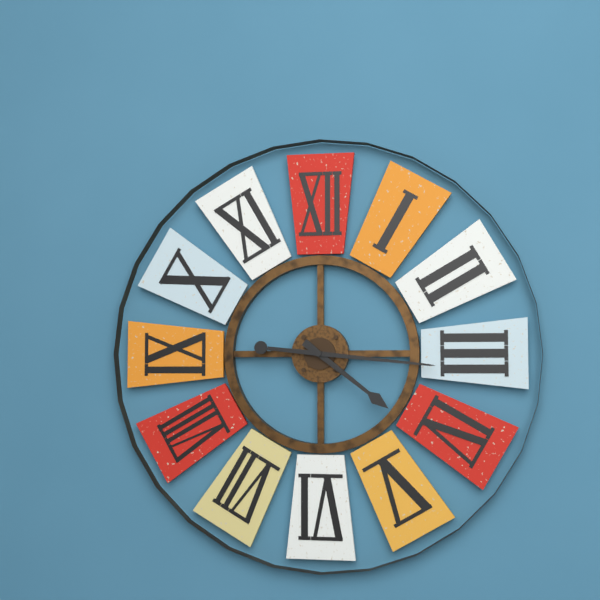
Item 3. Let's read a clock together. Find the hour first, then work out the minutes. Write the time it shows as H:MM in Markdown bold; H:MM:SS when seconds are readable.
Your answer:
**4:16**
